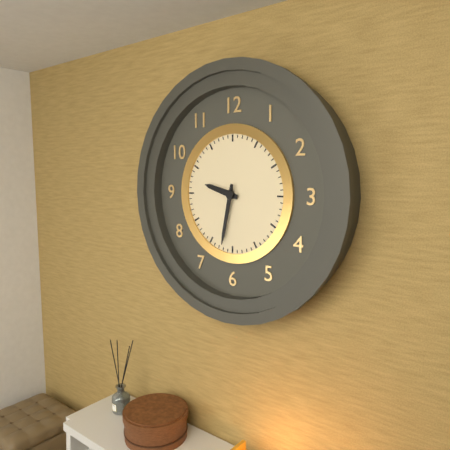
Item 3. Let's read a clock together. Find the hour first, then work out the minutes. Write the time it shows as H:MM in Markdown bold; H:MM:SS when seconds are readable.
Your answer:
**9:32**
